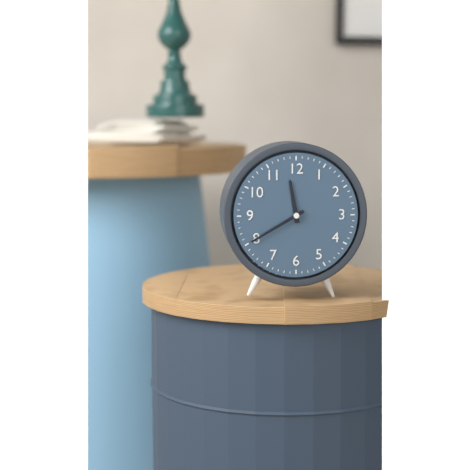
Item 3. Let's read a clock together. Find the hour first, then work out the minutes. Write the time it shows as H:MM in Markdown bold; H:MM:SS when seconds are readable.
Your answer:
**11:40**
